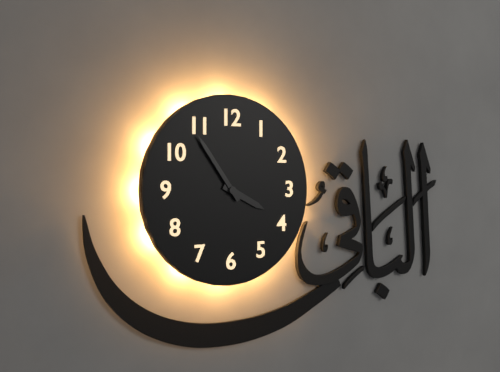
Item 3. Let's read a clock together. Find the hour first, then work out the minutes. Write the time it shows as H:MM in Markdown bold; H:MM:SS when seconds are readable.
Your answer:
**3:54**
